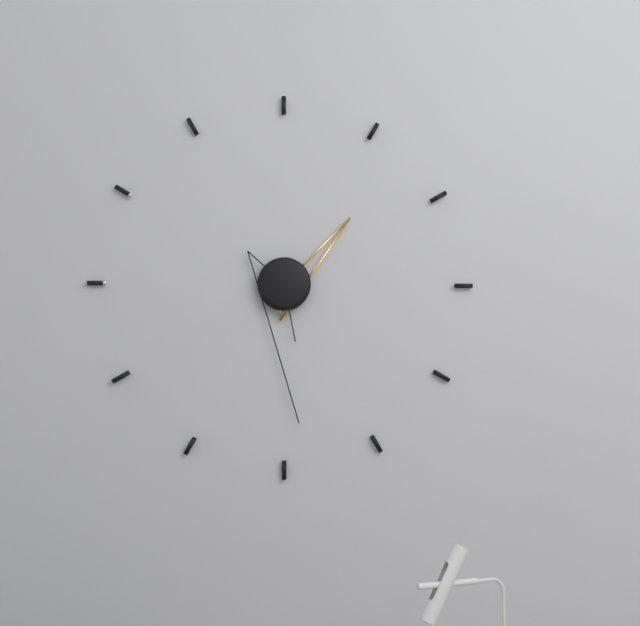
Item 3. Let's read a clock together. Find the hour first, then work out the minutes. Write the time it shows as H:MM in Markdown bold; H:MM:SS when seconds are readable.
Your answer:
**1:29**
